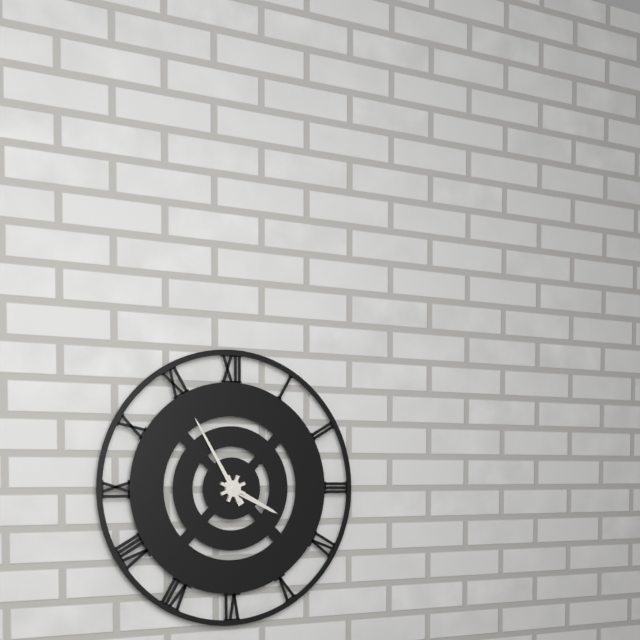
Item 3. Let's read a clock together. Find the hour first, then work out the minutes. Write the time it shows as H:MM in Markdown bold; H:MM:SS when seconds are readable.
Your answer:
**3:55**
